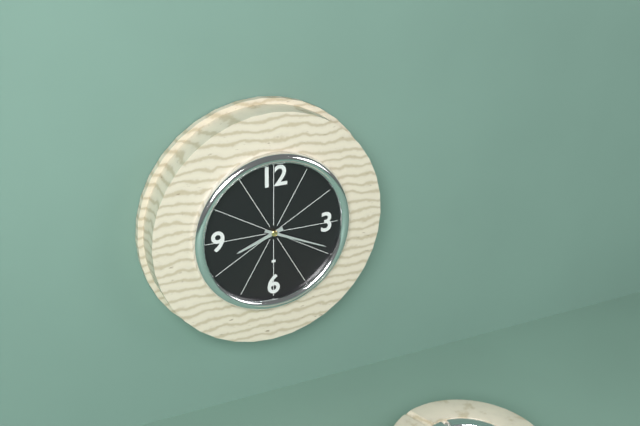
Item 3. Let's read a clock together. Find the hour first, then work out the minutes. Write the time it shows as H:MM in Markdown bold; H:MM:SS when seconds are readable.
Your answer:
**8:19**
